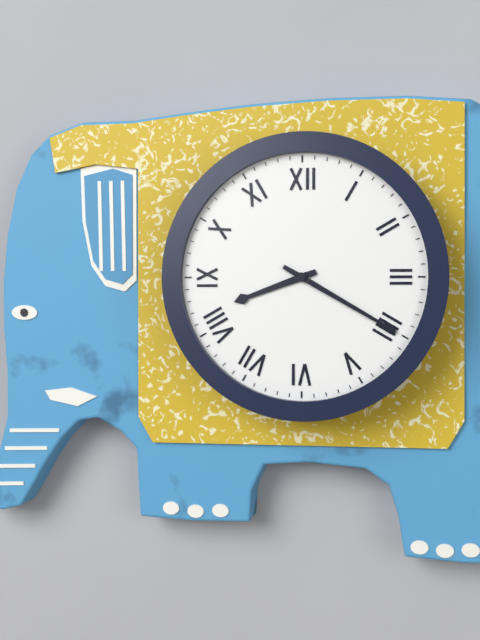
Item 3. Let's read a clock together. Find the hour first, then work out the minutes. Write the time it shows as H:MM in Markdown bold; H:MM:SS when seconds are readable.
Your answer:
**8:20**
